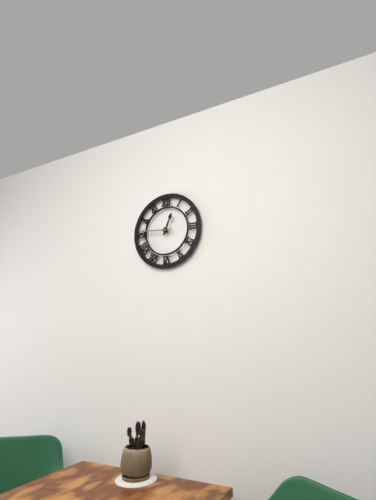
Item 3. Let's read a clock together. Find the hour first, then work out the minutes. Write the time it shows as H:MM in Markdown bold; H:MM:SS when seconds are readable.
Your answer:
**12:46**
